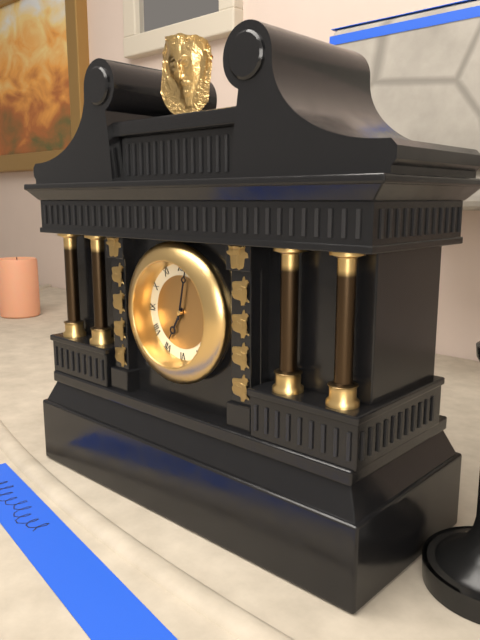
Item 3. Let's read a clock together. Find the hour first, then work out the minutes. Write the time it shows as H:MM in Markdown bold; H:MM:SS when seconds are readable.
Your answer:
**7:02**
